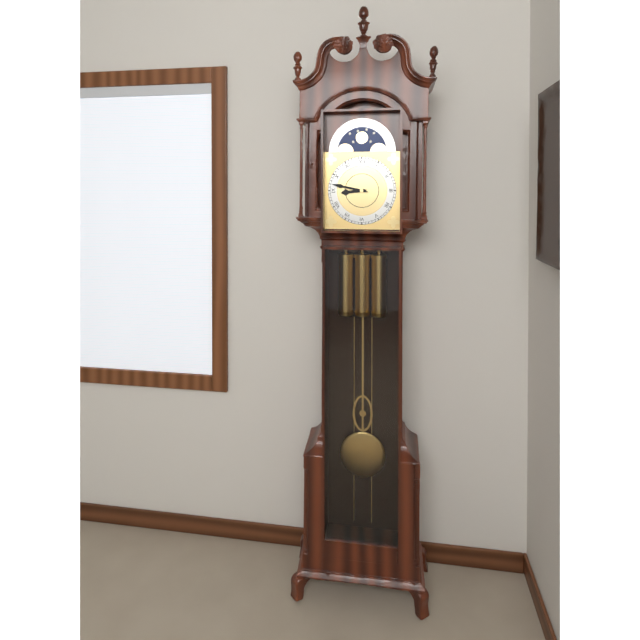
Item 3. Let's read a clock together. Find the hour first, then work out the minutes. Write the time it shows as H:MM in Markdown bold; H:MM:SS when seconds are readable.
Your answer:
**8:47**
